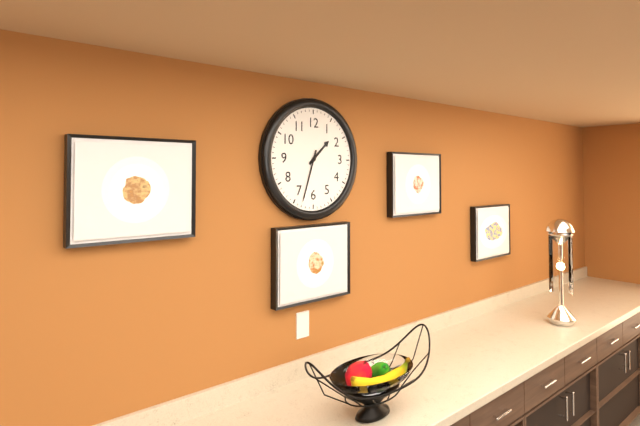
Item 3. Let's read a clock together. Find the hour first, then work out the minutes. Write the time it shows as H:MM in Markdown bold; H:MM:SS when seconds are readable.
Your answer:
**1:33**
